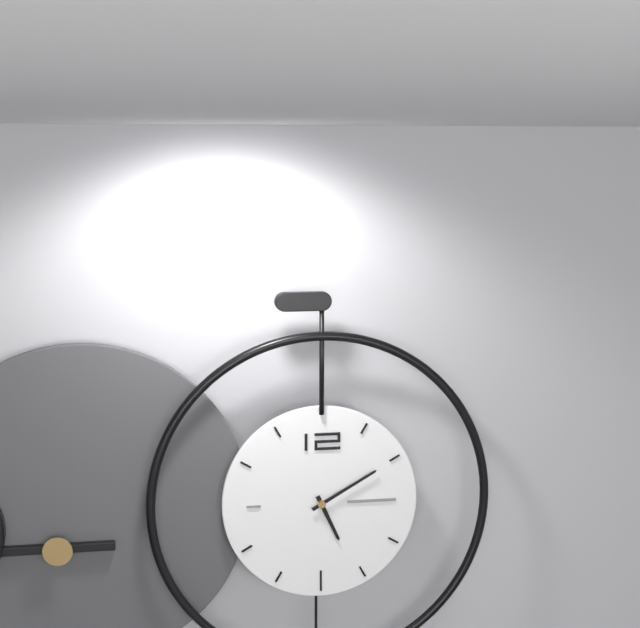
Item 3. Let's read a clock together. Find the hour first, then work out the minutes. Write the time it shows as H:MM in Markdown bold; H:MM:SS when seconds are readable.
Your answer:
**5:10**
